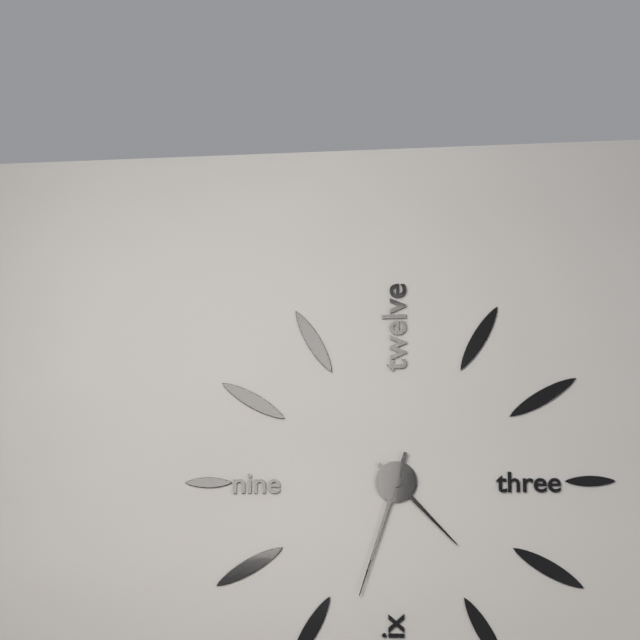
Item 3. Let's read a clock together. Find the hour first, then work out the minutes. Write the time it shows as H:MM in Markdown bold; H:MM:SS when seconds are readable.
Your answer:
**4:33**
